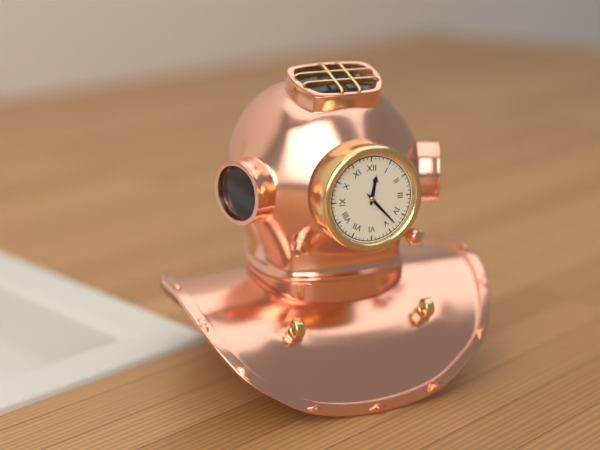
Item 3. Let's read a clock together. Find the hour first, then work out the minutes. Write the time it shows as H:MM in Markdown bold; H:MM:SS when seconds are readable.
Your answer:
**12:23**
